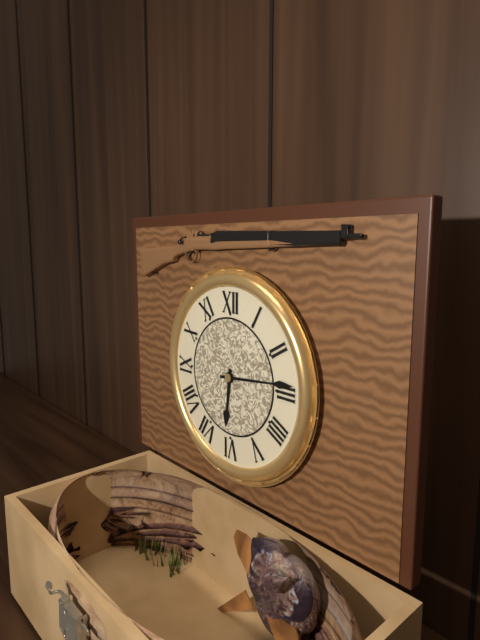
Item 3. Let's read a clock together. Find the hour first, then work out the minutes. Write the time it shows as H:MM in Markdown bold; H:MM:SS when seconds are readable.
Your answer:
**6:14**
